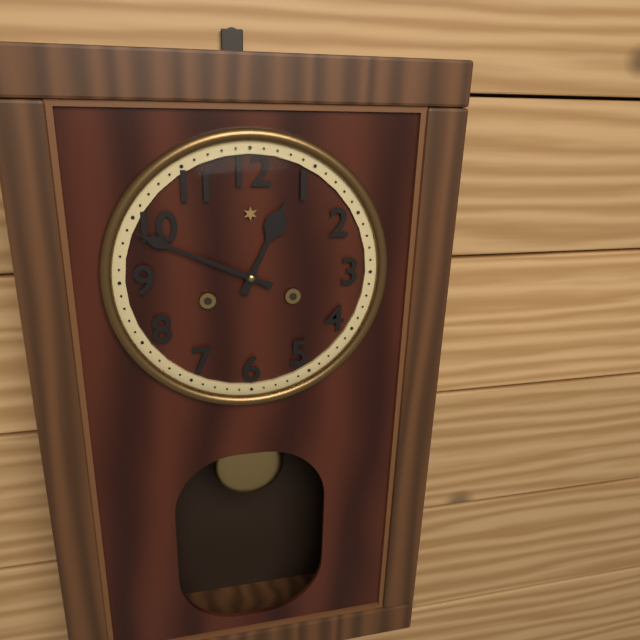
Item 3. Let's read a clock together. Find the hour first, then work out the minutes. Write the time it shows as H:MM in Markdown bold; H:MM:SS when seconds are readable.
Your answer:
**12:49**
